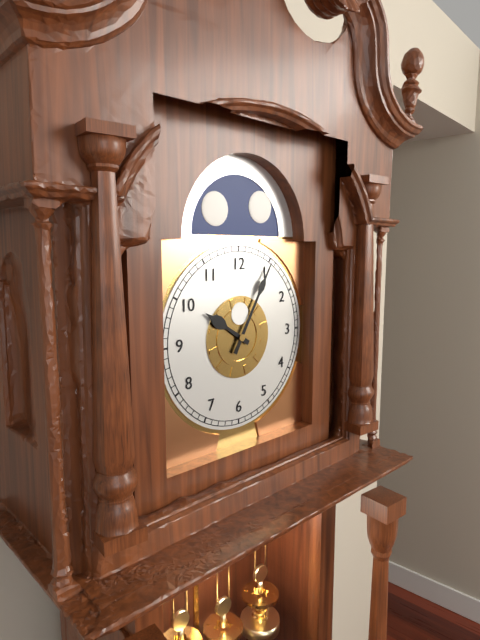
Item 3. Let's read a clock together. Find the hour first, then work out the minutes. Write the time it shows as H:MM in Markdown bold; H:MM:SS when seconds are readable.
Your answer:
**10:05**
